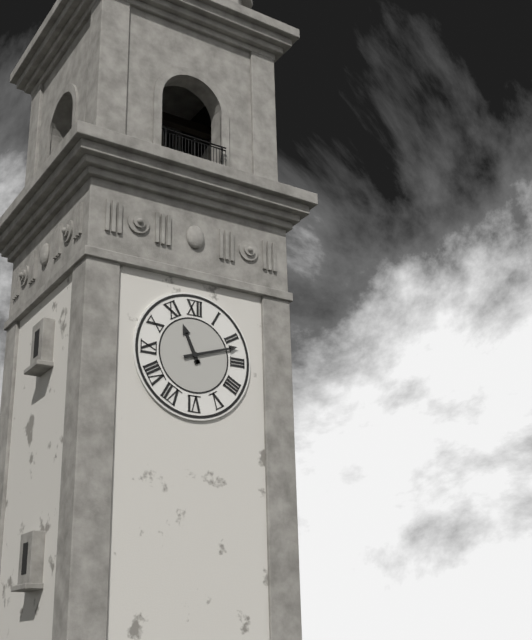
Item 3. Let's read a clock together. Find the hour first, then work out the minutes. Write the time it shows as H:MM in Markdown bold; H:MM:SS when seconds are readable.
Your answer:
**11:12**
